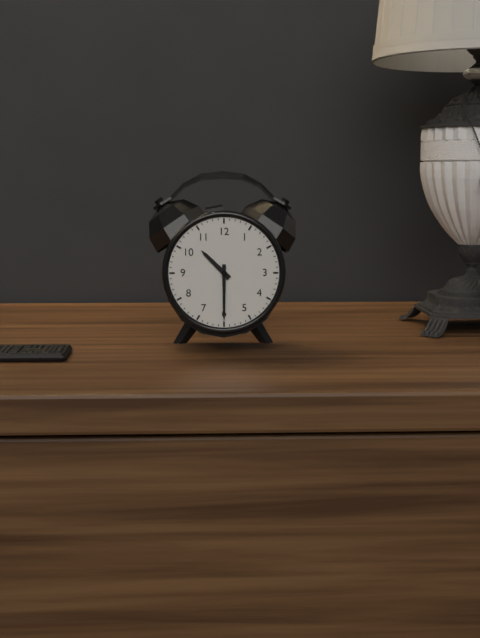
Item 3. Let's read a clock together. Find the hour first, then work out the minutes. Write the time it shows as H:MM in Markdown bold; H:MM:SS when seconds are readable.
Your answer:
**10:30**
